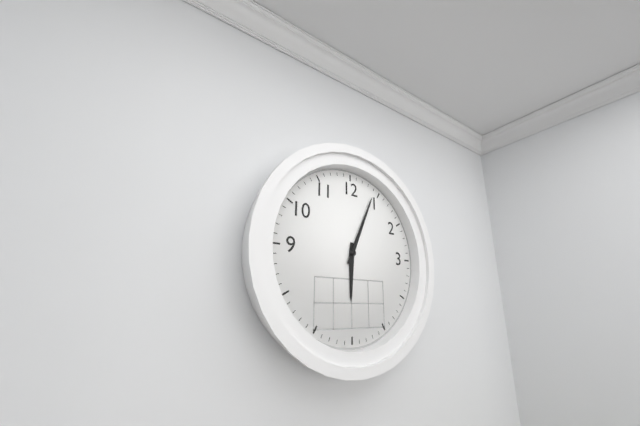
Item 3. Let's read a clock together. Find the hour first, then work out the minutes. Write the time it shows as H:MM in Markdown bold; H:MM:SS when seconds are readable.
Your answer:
**6:04**
